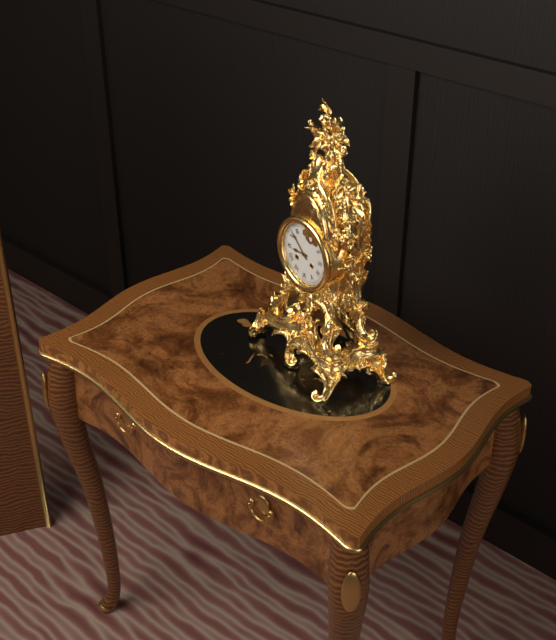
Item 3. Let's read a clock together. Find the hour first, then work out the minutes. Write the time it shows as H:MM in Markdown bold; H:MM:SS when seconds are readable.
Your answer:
**8:52**
